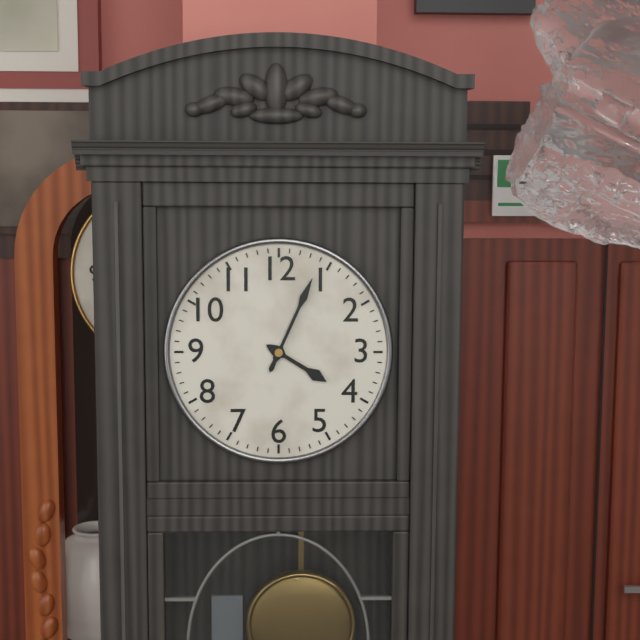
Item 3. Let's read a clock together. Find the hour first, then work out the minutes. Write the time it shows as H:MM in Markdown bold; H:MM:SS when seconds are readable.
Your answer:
**4:04**
